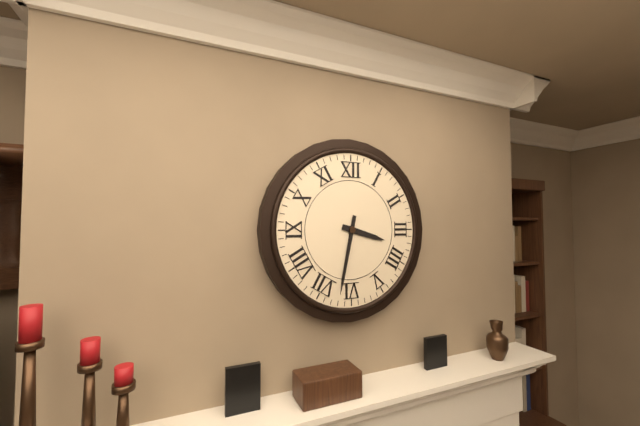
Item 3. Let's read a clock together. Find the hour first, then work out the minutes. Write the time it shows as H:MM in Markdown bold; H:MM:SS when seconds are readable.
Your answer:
**3:32**
